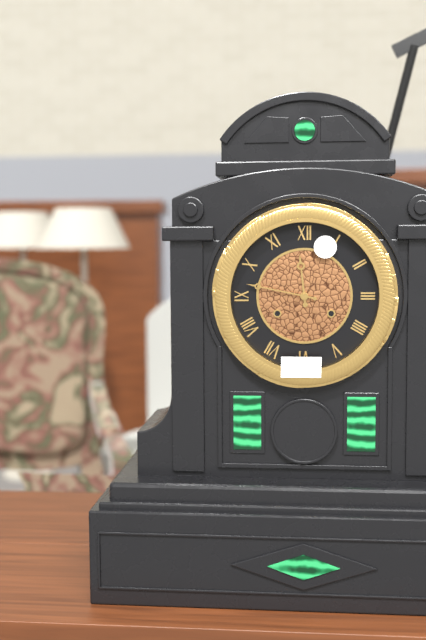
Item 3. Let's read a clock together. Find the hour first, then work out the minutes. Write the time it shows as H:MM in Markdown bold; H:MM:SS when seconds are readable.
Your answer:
**11:47**
